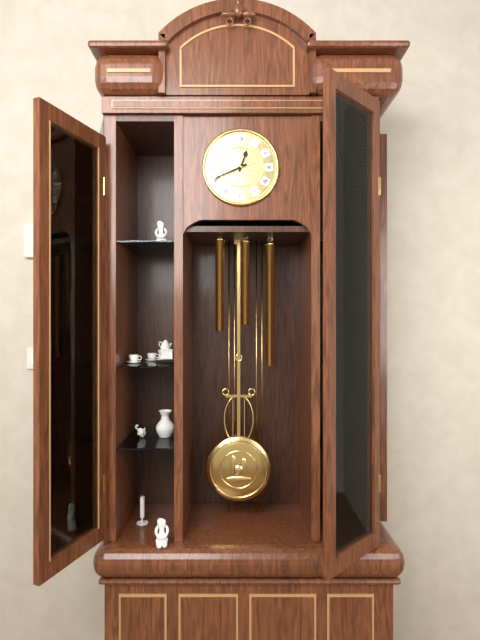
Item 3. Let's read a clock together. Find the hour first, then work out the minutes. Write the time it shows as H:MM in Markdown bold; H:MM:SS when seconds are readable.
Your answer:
**12:41**
